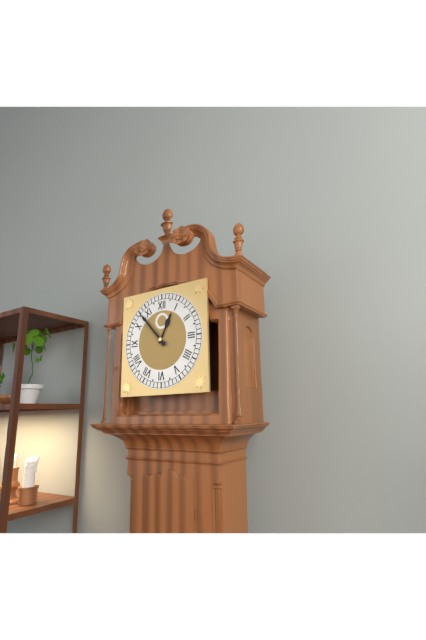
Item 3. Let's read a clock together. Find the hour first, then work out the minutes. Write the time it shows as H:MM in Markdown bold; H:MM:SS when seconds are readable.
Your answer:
**12:53**
